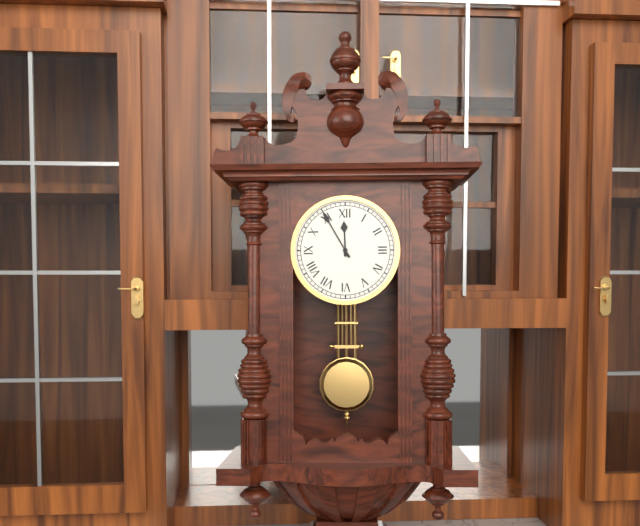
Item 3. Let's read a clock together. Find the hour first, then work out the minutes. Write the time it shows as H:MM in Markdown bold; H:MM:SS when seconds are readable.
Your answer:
**11:55**
